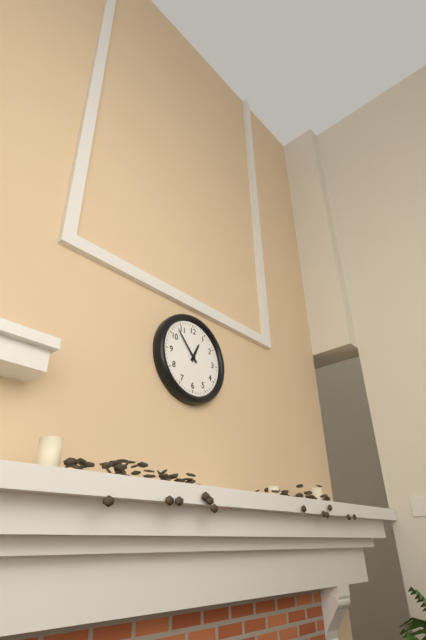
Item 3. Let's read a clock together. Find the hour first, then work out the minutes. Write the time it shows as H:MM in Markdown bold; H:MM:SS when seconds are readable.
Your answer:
**12:53**
